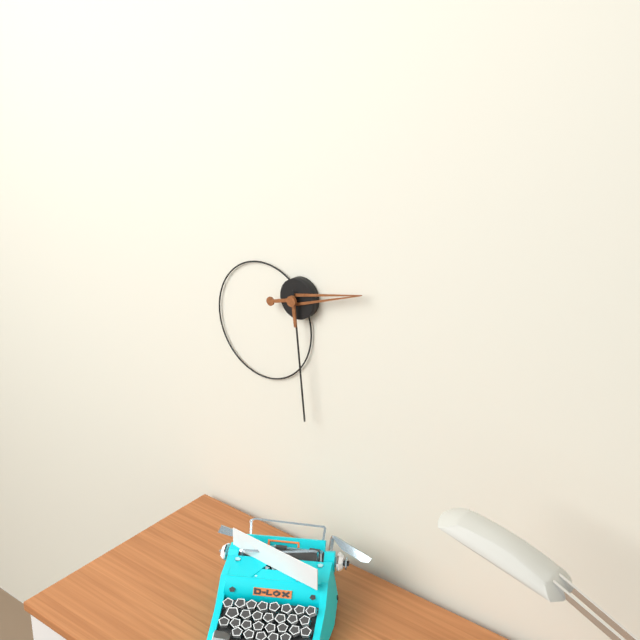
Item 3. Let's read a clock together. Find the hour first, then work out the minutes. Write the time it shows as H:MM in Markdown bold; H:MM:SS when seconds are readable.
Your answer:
**2:29**
